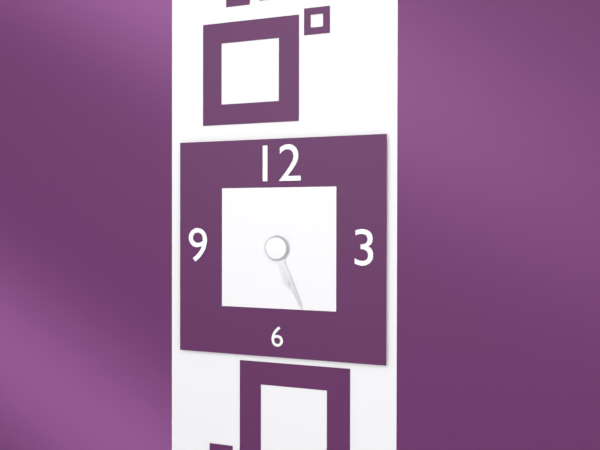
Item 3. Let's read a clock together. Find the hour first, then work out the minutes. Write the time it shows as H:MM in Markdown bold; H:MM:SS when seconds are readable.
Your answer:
**5:26**
